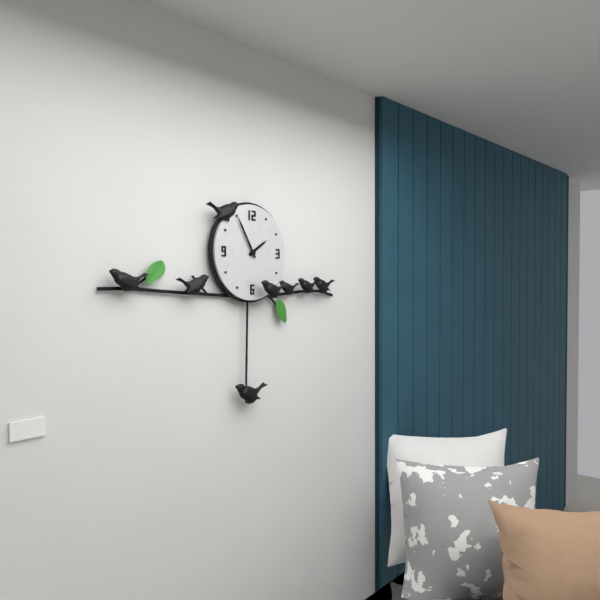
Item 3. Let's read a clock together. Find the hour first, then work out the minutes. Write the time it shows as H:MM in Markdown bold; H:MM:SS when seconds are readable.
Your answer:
**1:55**
